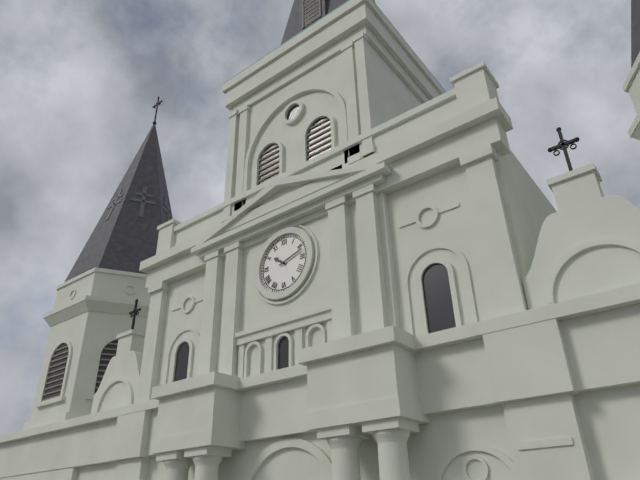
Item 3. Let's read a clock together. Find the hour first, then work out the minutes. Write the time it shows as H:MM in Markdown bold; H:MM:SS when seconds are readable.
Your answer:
**10:12**
